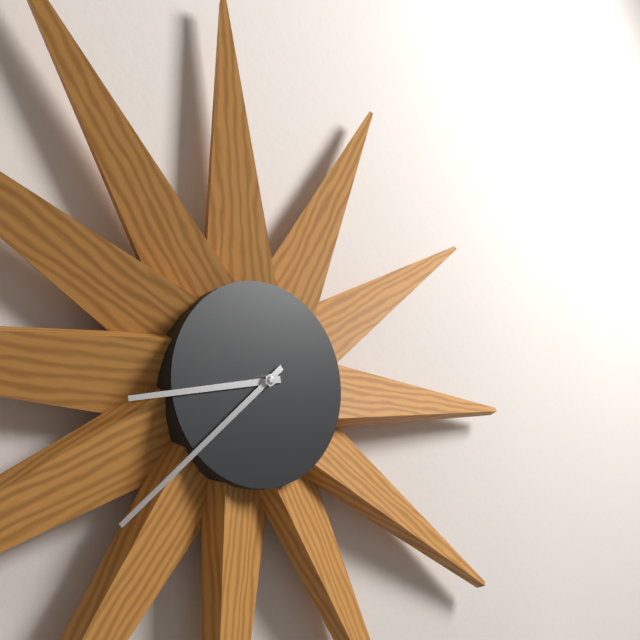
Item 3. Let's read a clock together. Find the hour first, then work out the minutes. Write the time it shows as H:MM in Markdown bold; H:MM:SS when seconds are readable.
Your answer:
**8:38**
